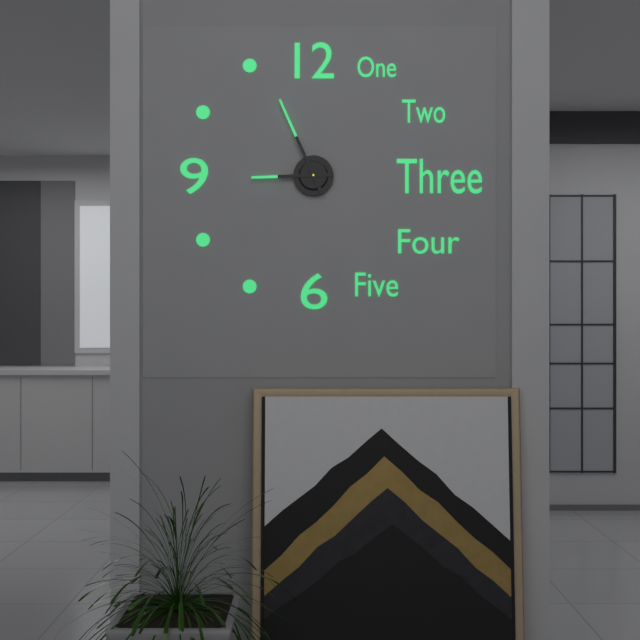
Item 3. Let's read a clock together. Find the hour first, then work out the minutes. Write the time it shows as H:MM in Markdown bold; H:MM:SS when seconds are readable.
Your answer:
**8:56**
